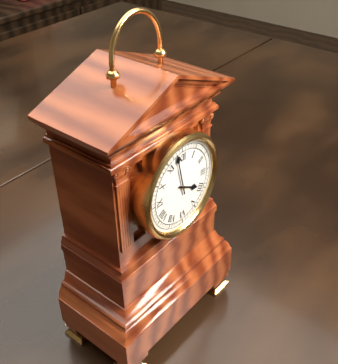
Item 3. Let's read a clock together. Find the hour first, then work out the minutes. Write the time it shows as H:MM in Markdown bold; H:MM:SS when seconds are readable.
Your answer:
**3:58**
